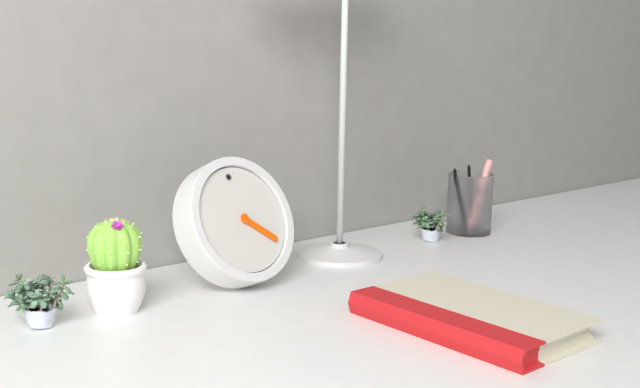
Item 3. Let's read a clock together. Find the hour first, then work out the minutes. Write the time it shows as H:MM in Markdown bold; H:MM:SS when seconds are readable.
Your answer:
**4:22**
